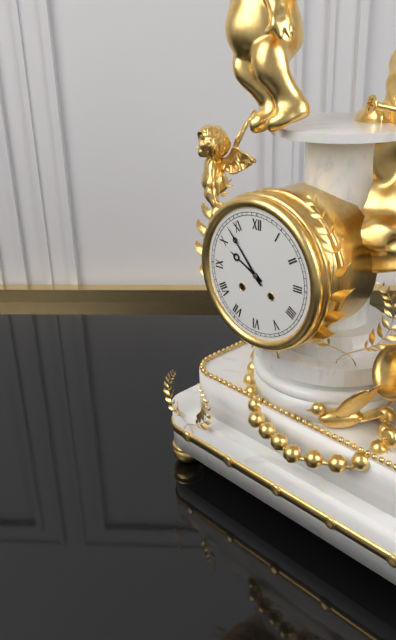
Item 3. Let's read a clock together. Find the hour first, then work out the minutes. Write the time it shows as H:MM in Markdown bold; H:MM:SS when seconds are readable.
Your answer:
**9:53**
